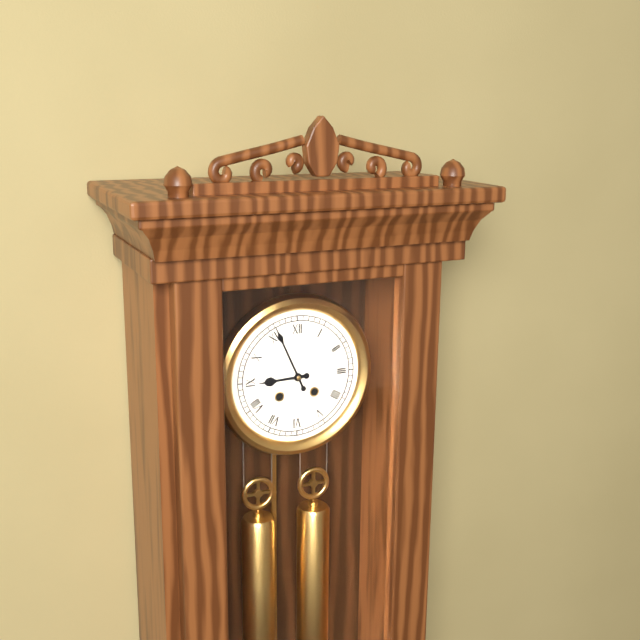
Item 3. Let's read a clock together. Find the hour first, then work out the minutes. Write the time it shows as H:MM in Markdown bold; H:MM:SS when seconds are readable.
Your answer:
**8:56**
